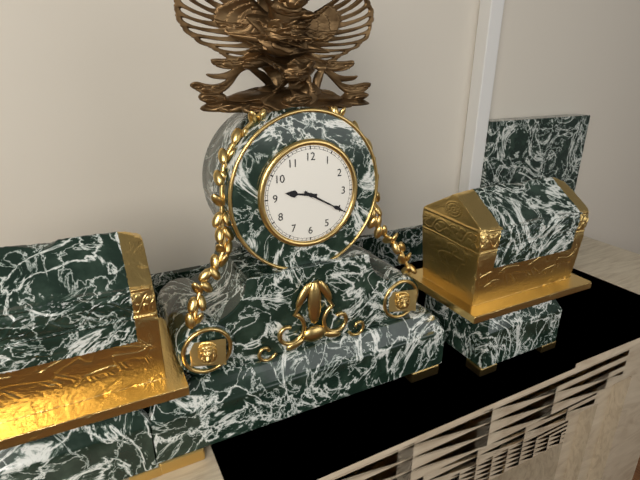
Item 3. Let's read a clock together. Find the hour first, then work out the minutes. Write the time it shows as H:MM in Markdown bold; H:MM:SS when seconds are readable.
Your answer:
**9:20**
